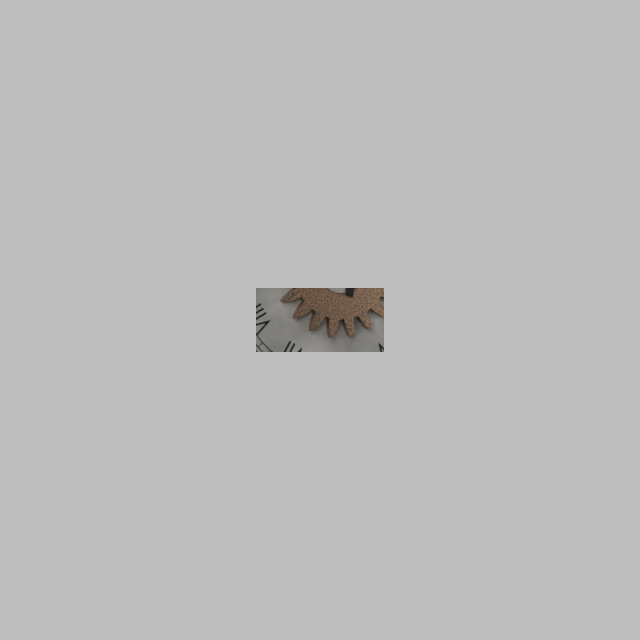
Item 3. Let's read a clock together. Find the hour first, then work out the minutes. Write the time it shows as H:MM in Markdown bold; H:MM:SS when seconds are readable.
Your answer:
**11:57**
